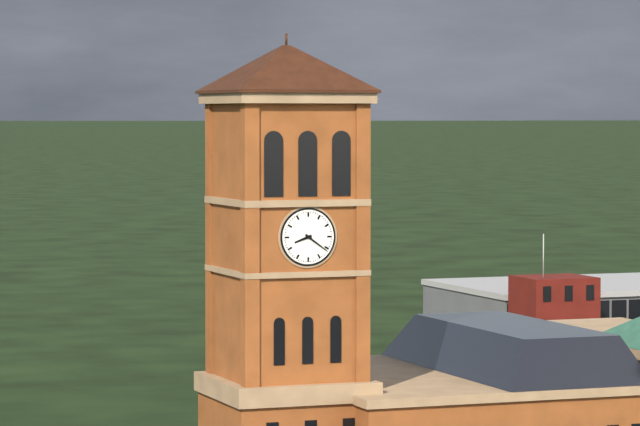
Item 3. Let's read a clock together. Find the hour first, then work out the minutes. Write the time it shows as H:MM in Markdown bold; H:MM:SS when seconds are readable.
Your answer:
**8:21**
